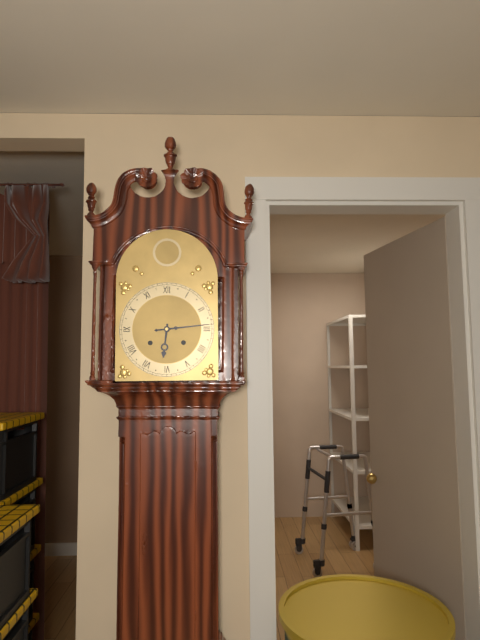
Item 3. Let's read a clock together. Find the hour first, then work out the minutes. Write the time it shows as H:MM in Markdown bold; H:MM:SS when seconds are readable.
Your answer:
**6:14**
